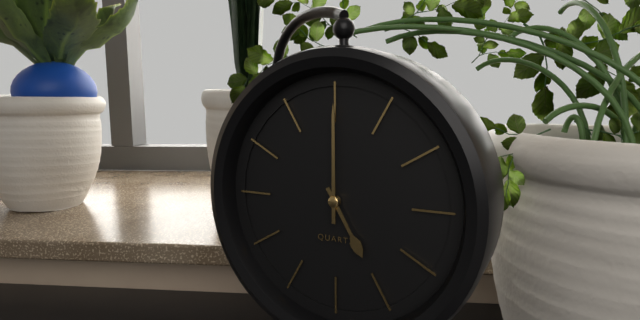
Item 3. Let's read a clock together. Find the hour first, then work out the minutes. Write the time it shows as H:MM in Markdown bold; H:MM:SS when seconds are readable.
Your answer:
**5:00**
